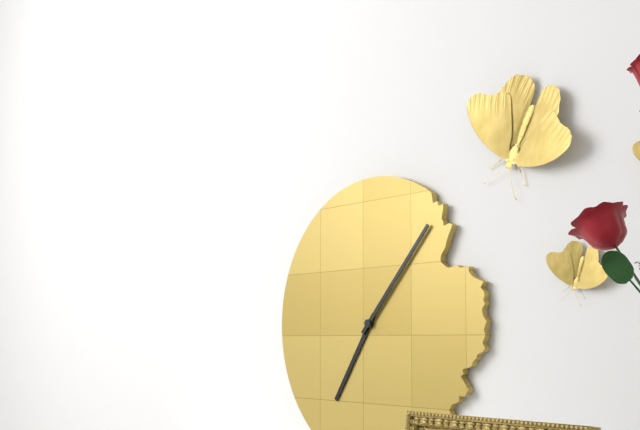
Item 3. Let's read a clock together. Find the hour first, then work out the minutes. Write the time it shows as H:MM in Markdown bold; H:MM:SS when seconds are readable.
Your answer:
**7:07**
